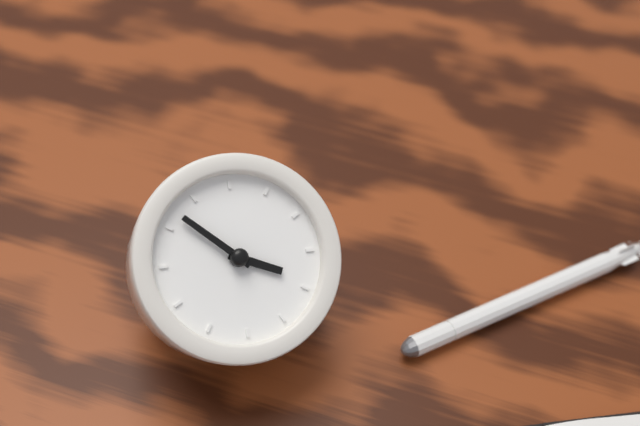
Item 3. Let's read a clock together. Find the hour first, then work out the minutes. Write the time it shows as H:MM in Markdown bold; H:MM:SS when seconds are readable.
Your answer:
**2:47**
